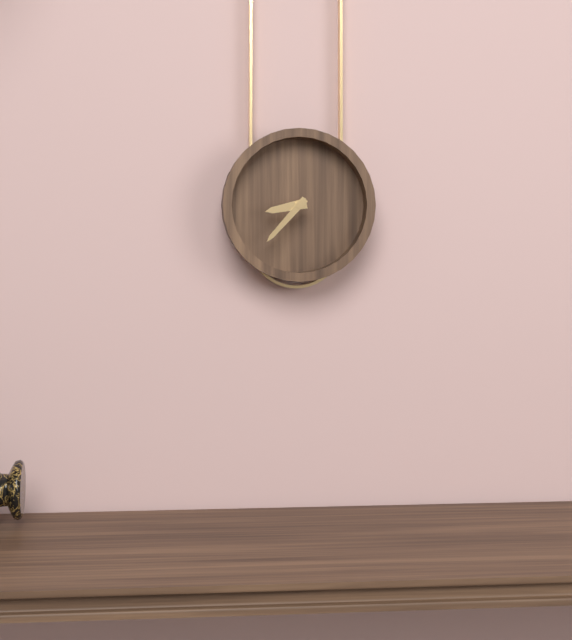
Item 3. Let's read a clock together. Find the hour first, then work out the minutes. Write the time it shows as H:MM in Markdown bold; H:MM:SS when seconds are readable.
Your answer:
**8:37**
